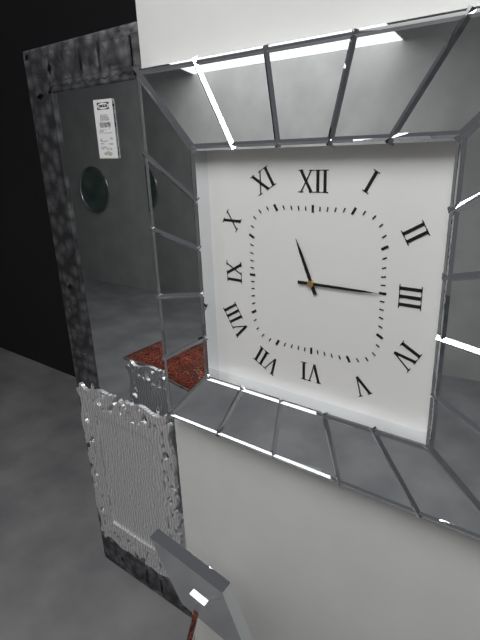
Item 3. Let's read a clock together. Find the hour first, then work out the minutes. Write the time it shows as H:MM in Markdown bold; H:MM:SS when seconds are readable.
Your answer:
**11:15**
